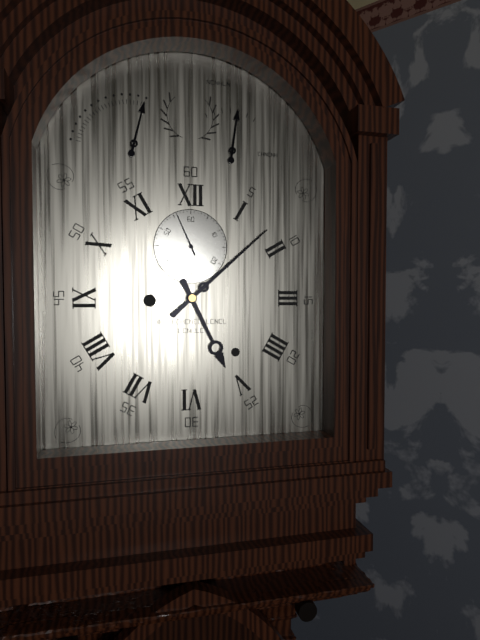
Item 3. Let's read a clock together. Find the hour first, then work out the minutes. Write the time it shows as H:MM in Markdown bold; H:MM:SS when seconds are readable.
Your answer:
**5:08**
